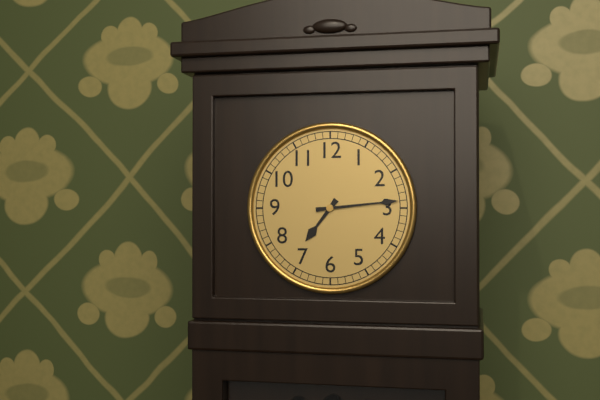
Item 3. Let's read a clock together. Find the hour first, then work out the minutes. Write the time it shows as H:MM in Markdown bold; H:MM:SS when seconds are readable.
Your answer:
**7:14**
